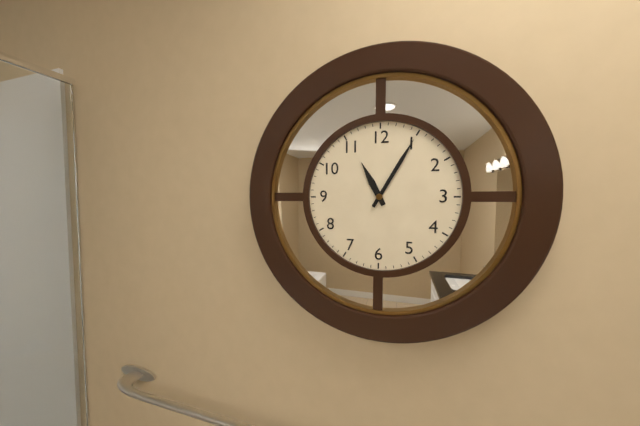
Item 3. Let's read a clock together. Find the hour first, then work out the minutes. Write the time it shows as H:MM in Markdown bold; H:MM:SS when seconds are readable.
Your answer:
**11:05**
